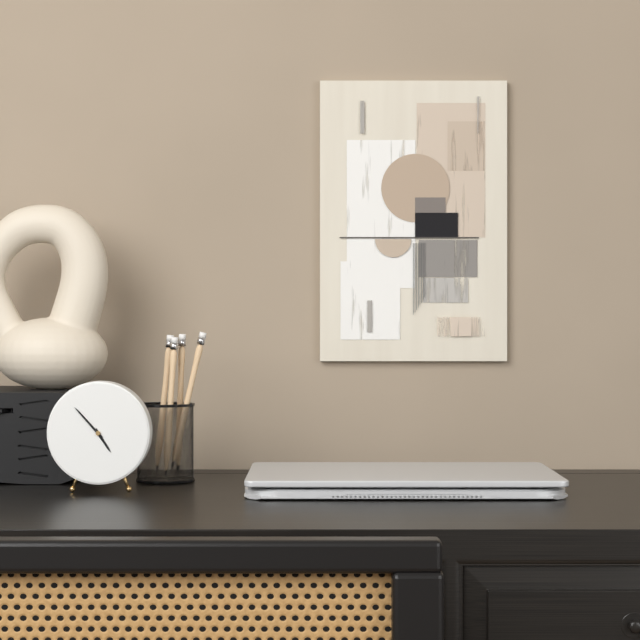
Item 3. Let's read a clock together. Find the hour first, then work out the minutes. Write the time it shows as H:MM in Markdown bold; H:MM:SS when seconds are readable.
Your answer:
**4:53**
